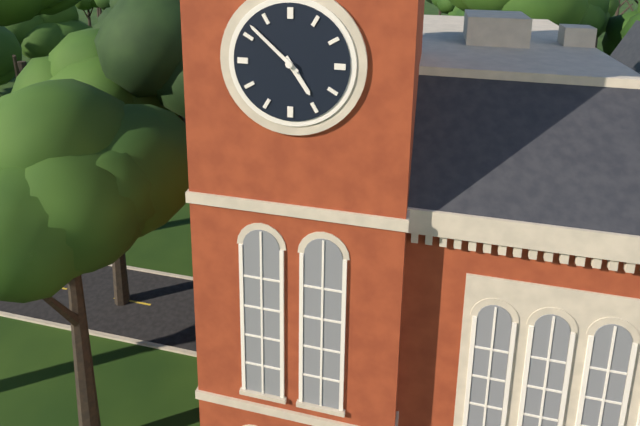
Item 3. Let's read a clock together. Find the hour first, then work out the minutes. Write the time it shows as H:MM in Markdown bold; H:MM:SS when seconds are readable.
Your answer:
**4:52**
